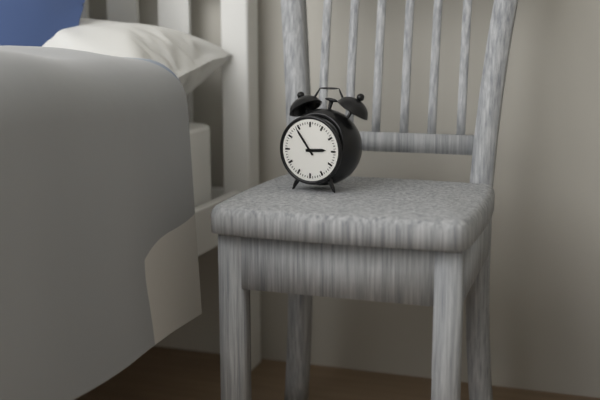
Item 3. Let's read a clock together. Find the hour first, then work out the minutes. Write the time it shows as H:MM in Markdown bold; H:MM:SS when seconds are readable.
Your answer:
**2:54**
